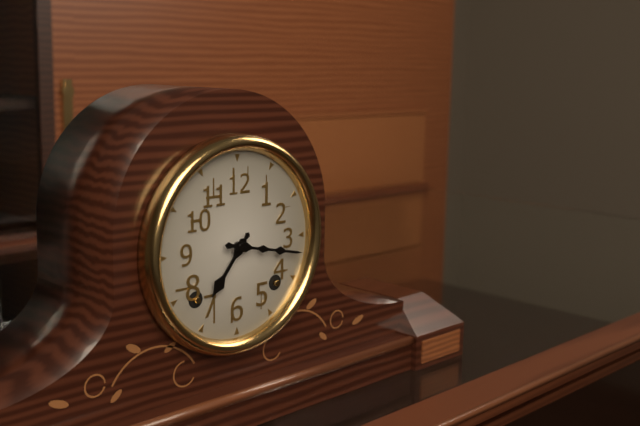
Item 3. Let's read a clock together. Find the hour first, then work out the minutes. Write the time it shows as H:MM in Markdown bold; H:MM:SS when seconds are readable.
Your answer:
**7:17**
